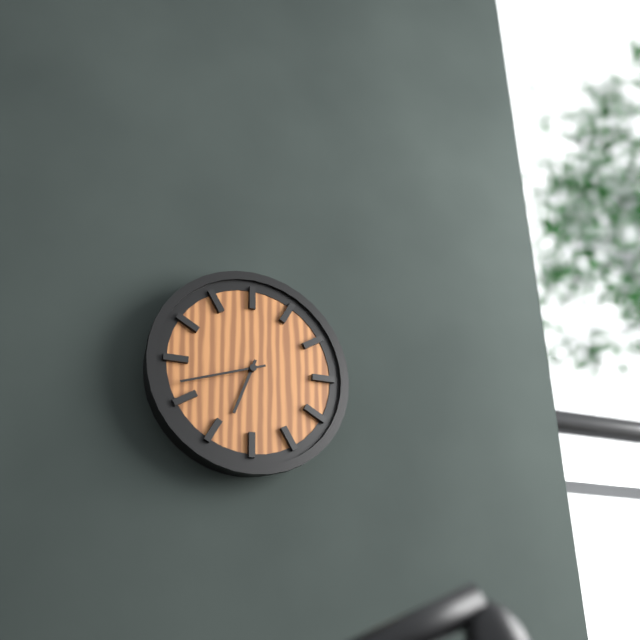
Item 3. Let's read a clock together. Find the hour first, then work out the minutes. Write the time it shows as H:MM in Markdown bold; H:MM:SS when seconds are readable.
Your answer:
**6:42**
